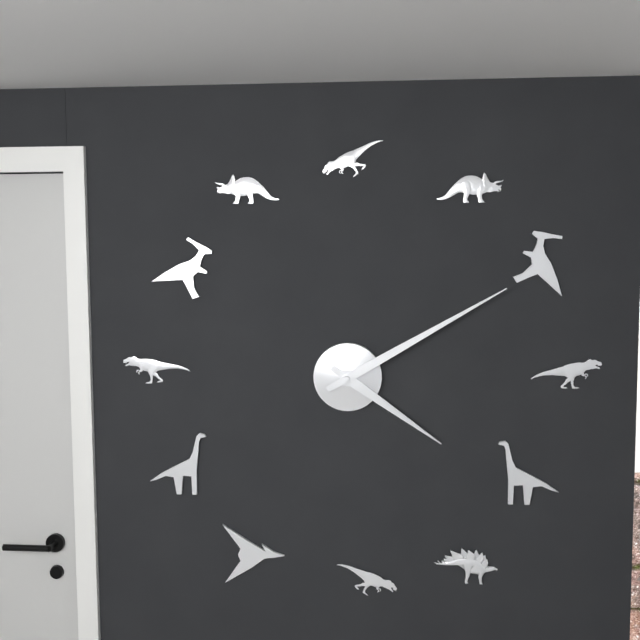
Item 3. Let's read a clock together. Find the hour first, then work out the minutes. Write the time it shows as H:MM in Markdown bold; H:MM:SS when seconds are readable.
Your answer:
**4:10**
